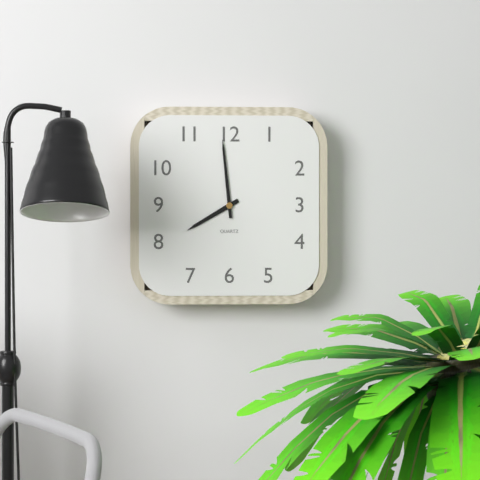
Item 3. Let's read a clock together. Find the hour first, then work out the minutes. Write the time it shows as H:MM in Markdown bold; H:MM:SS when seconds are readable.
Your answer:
**7:59**
